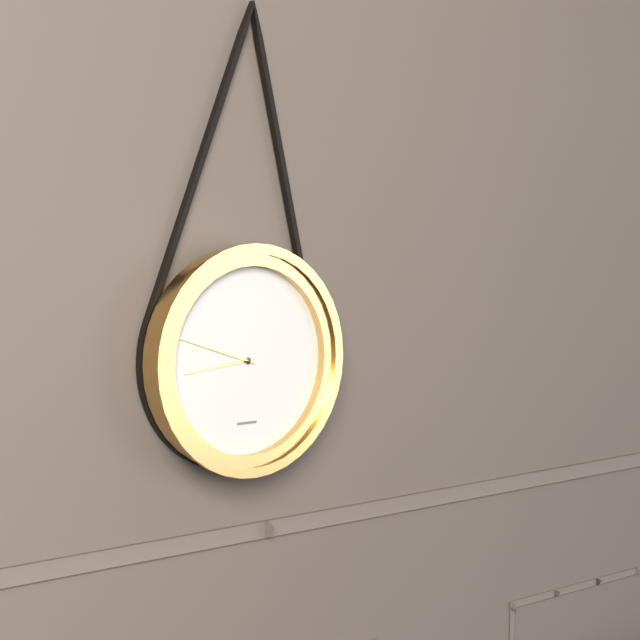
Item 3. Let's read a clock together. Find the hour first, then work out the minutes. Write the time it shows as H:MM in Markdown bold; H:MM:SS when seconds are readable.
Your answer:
**8:48**
